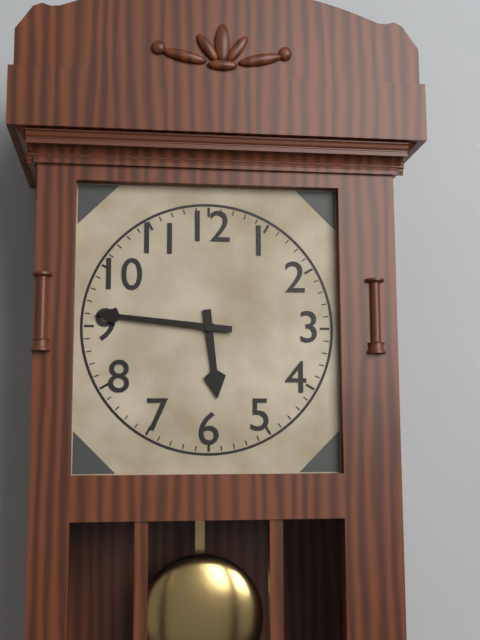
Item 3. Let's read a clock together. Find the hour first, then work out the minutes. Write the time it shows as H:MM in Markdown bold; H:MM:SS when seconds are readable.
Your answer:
**5:46**
